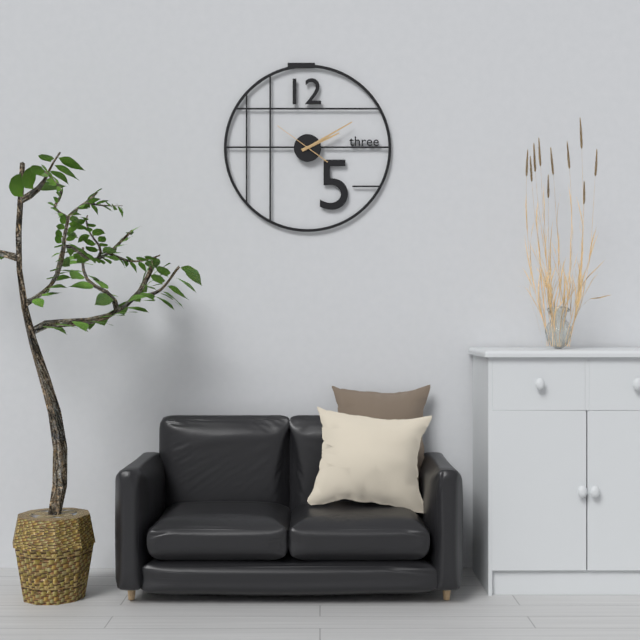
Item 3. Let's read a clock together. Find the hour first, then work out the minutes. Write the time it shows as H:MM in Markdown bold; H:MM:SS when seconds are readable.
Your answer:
**2:10**
